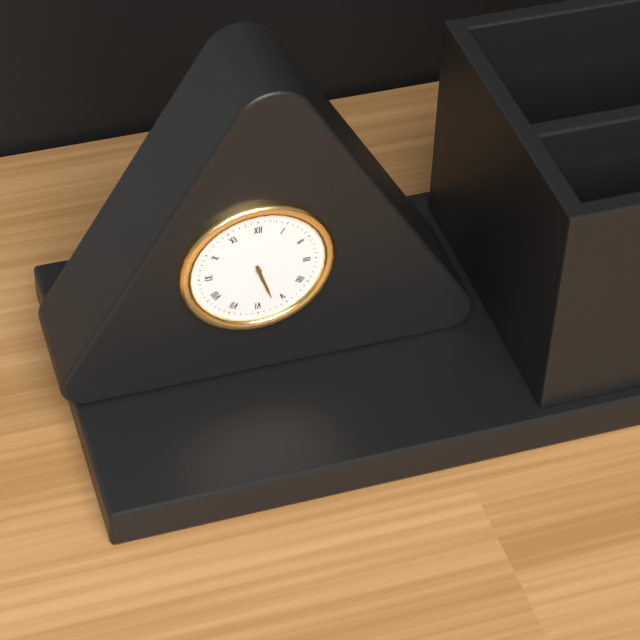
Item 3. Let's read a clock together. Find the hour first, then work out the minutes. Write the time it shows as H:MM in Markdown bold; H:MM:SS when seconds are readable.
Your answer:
**5:27**
